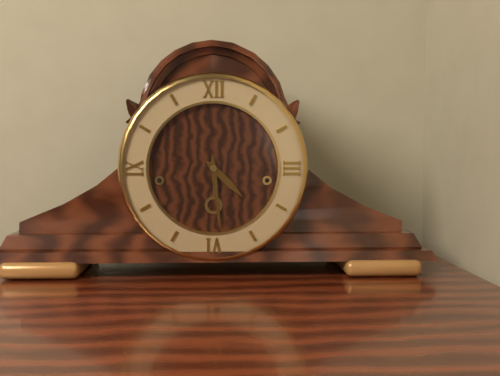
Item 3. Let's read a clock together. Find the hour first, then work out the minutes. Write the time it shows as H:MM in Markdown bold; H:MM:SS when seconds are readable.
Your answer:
**4:29**
